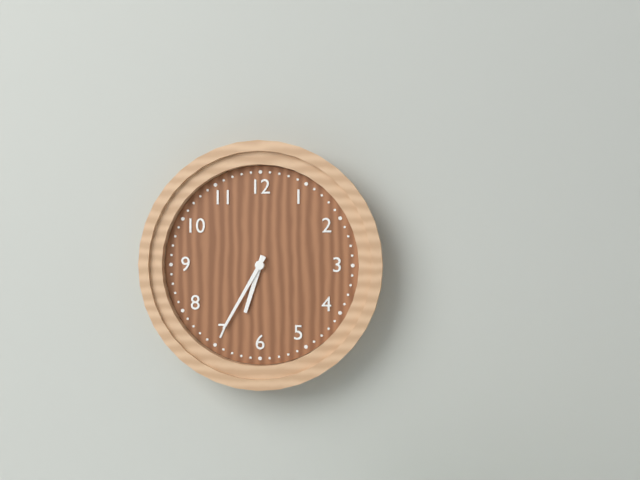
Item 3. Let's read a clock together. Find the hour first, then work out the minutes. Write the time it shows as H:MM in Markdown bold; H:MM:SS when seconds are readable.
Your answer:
**6:35**
